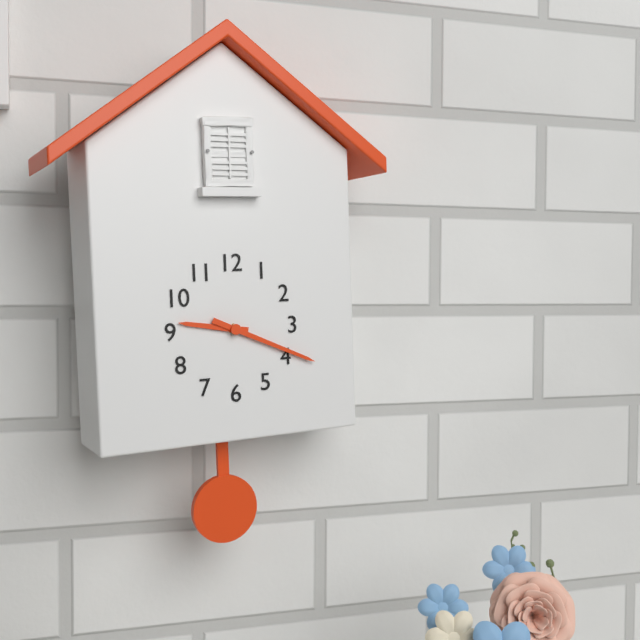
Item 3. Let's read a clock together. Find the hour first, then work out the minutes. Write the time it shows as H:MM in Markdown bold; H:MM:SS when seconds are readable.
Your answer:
**9:19**
